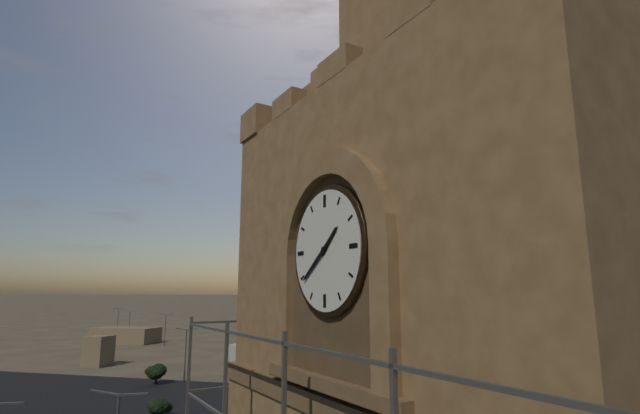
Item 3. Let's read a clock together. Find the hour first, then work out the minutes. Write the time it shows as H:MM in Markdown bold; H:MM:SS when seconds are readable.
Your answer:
**1:39**
